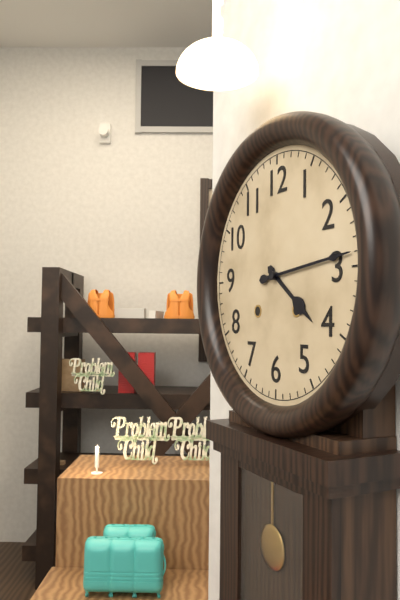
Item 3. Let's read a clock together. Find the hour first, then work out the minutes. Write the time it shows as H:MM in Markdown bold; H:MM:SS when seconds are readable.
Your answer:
**4:14**
